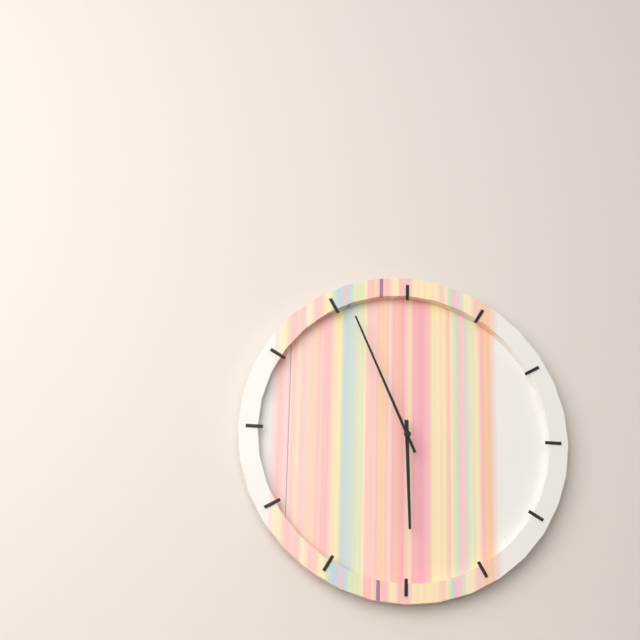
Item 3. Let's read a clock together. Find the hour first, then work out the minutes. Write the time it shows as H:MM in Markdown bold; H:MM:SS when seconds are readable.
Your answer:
**5:56**
